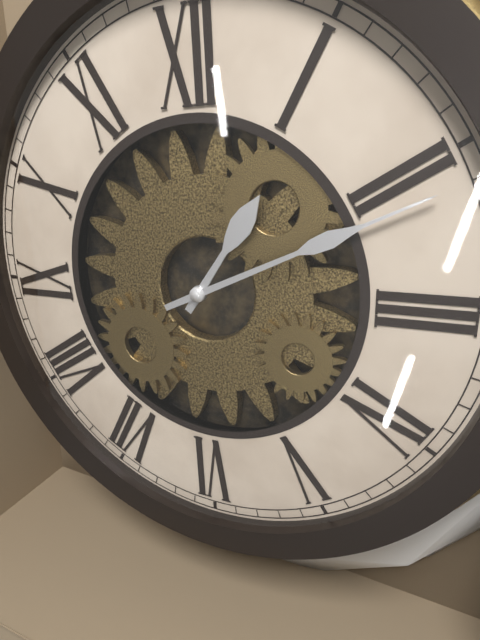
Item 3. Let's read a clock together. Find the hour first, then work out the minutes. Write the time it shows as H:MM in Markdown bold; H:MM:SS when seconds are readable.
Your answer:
**1:11**
